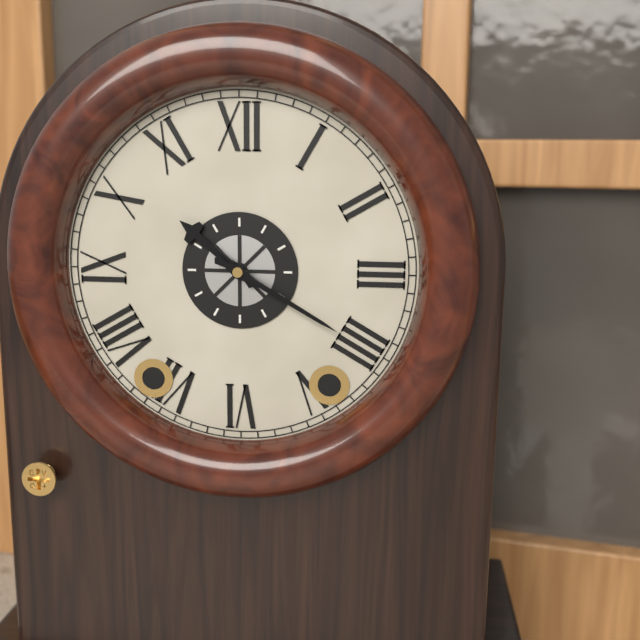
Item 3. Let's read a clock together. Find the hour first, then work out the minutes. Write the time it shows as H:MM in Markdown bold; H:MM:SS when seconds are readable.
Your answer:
**10:20**
